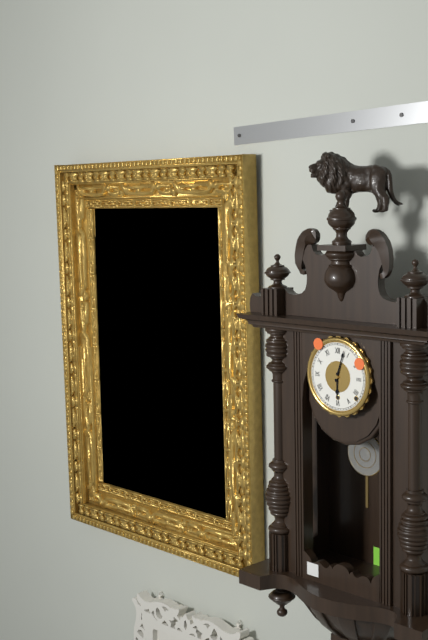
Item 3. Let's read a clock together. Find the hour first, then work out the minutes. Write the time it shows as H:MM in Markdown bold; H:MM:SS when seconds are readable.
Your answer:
**6:03**
